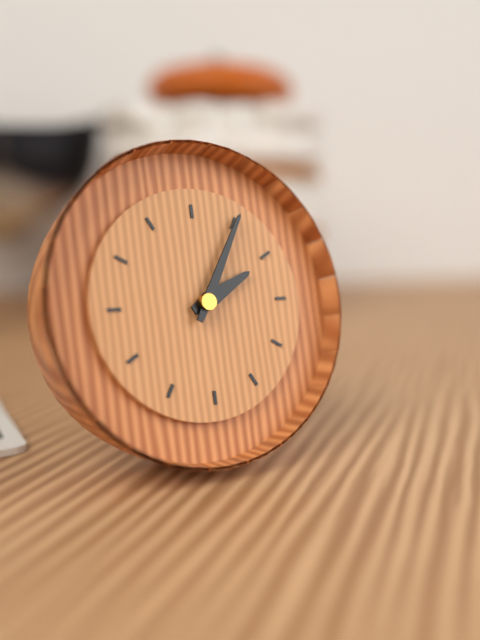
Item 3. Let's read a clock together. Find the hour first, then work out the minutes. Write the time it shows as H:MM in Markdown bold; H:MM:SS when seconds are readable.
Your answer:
**2:05**
